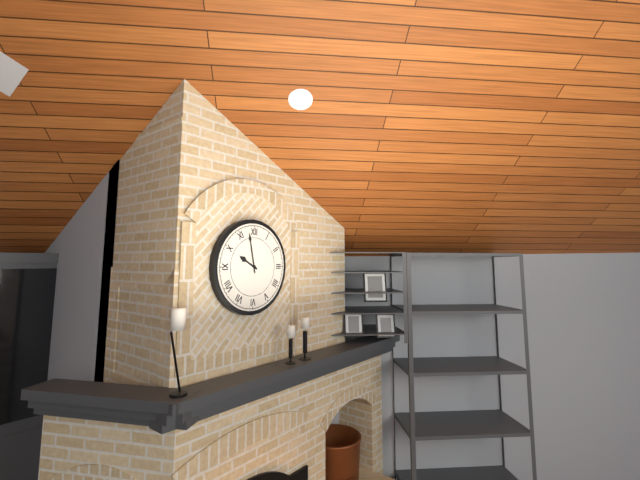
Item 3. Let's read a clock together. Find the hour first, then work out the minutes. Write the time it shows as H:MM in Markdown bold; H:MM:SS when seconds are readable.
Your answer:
**9:58**
